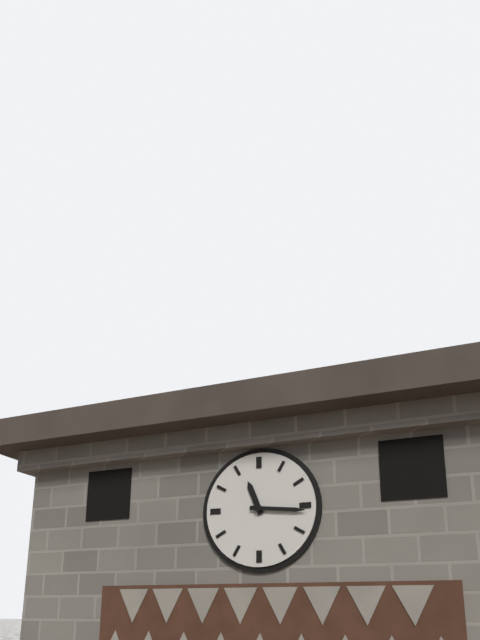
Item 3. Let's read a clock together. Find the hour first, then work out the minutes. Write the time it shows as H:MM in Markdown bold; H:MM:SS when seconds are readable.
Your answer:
**11:16**
